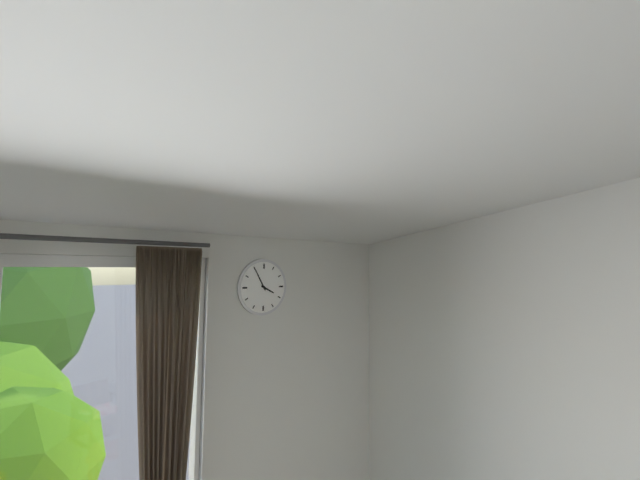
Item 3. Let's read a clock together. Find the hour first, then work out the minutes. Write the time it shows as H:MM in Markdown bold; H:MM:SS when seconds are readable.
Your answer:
**3:55**
